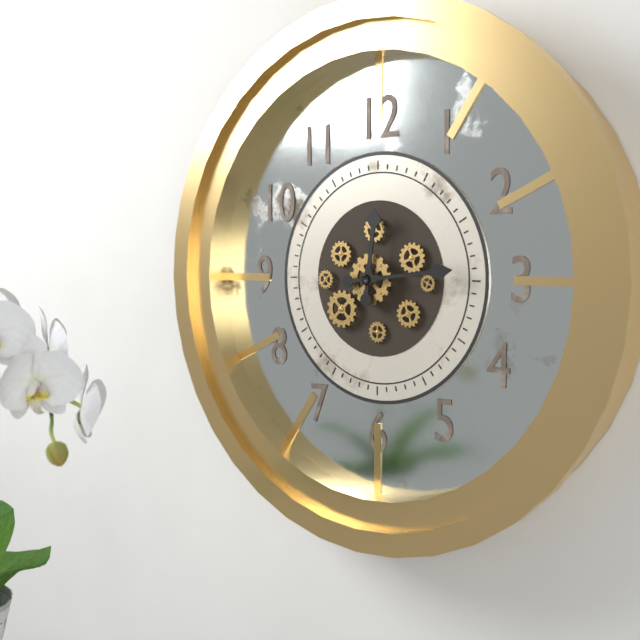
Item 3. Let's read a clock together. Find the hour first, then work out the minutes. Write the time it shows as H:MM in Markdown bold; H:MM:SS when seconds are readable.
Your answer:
**12:14**
